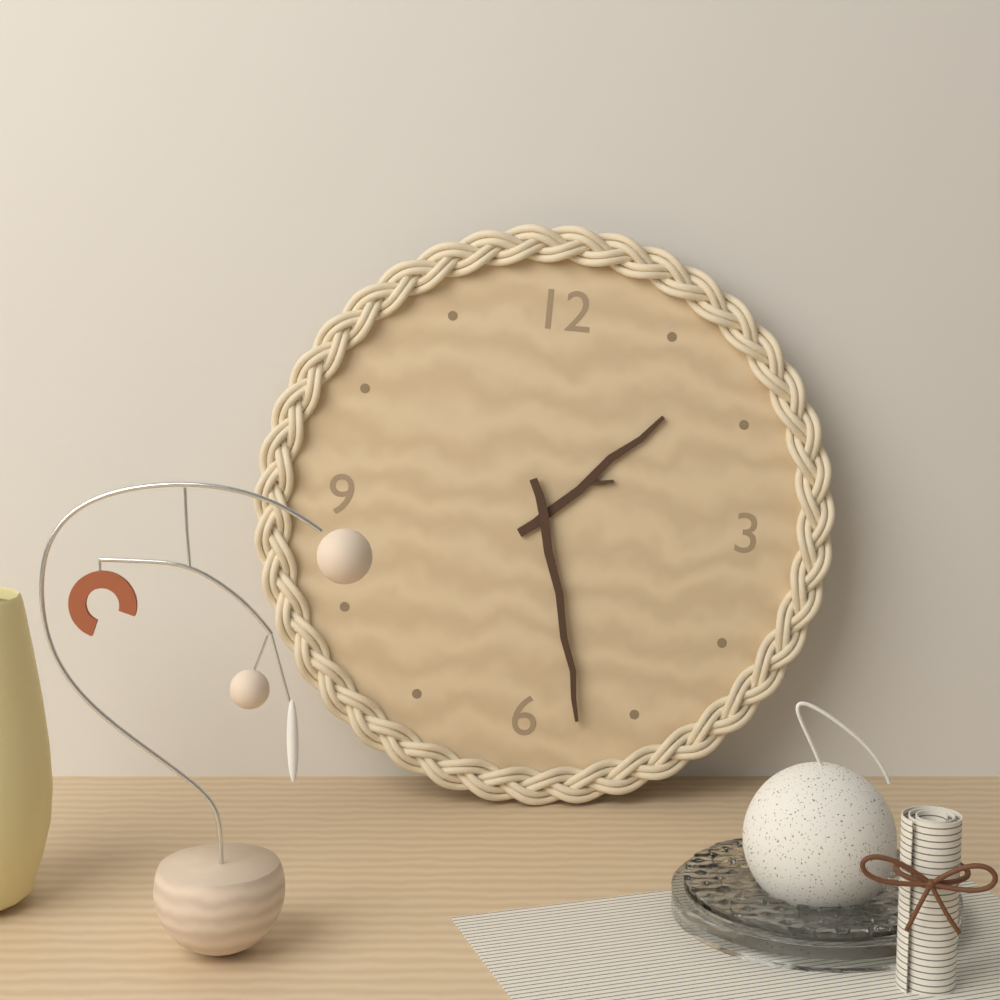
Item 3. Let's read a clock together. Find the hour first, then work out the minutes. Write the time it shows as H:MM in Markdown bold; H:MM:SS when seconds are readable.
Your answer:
**1:27**
